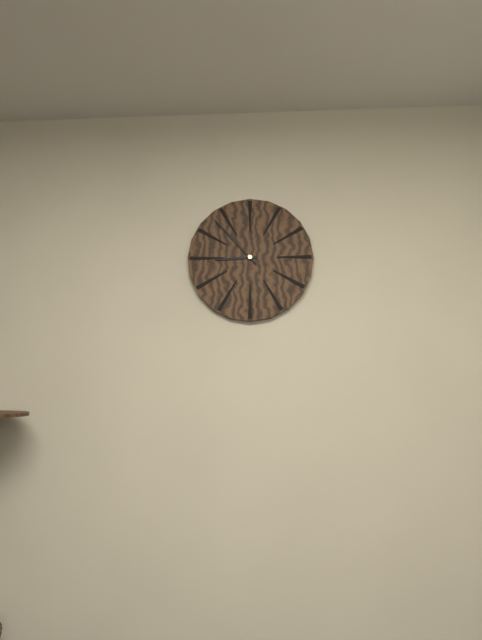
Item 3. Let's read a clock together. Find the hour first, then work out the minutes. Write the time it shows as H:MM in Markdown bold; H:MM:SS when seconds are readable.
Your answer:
**8:53**
